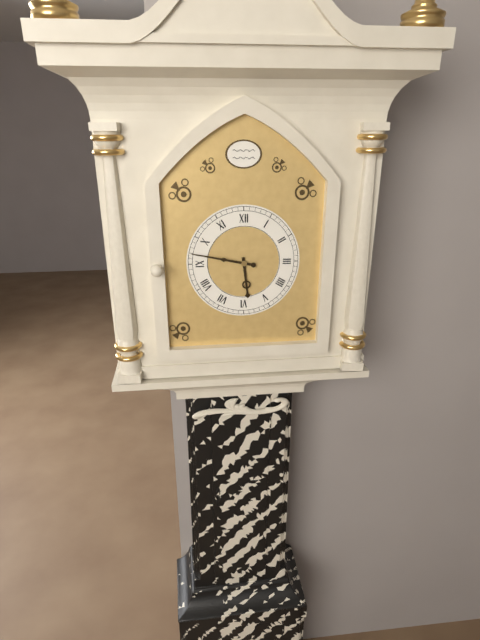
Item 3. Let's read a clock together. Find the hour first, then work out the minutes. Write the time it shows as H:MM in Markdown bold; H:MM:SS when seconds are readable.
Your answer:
**5:47**
